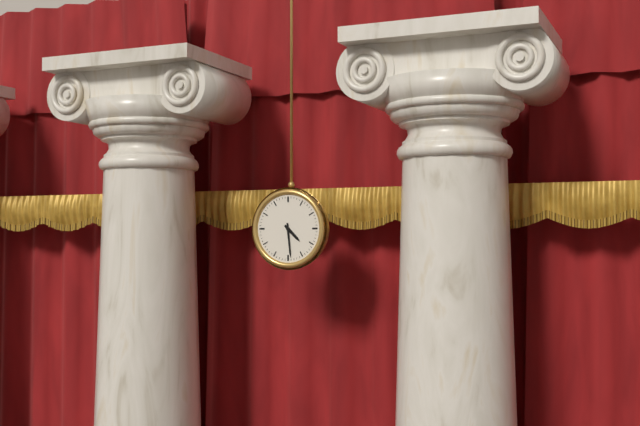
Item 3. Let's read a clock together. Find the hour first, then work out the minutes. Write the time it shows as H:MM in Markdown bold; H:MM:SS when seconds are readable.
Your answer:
**4:29**
